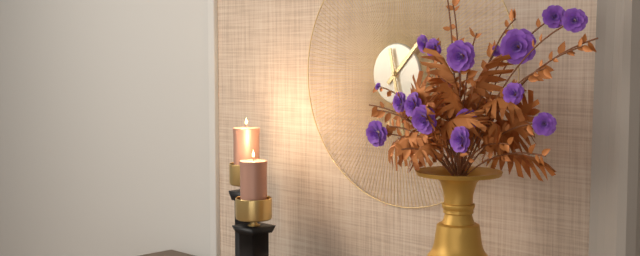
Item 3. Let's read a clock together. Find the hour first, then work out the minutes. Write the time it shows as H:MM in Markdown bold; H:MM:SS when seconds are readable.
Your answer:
**1:28**
